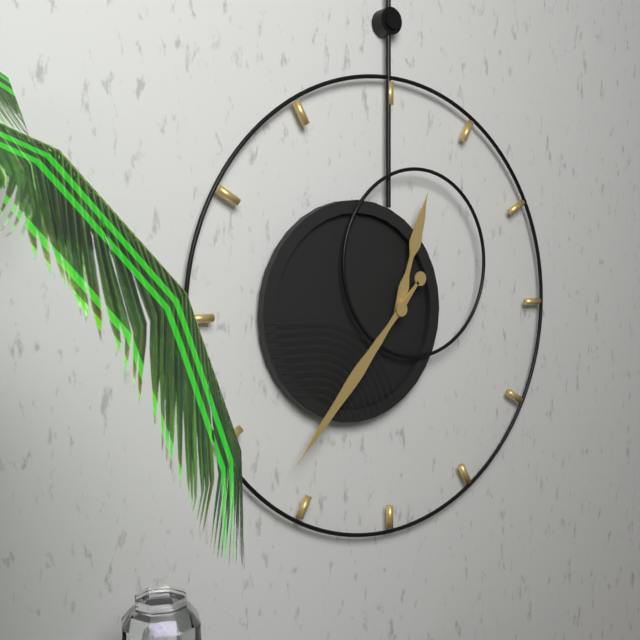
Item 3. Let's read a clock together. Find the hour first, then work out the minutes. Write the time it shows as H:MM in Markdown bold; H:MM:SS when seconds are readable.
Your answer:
**12:37**
